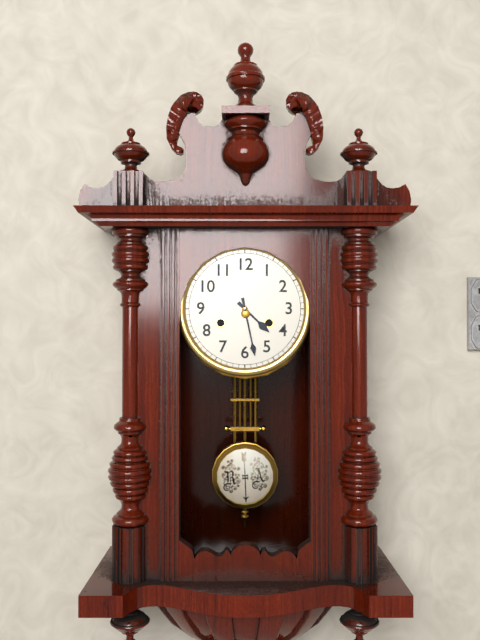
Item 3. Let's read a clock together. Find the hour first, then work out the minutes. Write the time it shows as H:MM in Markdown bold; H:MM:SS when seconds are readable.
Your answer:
**4:28**
